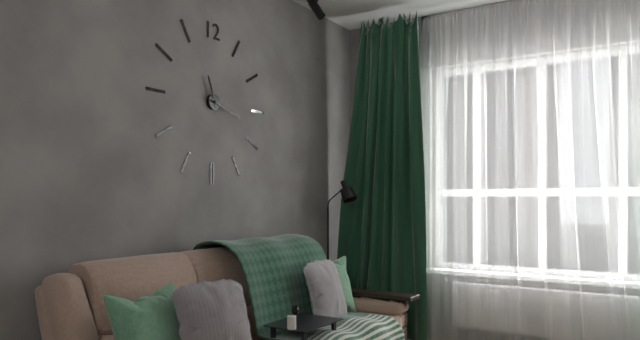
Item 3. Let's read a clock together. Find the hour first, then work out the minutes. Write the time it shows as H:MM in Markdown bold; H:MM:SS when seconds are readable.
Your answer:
**11:18**
